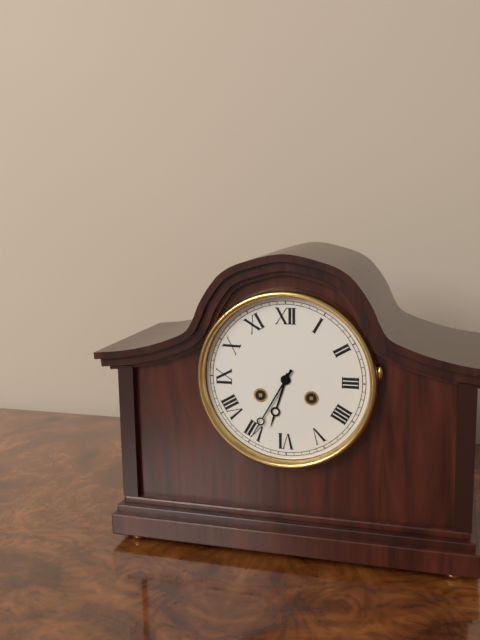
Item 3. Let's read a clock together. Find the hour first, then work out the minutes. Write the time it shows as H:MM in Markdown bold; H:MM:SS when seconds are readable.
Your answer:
**6:35**
